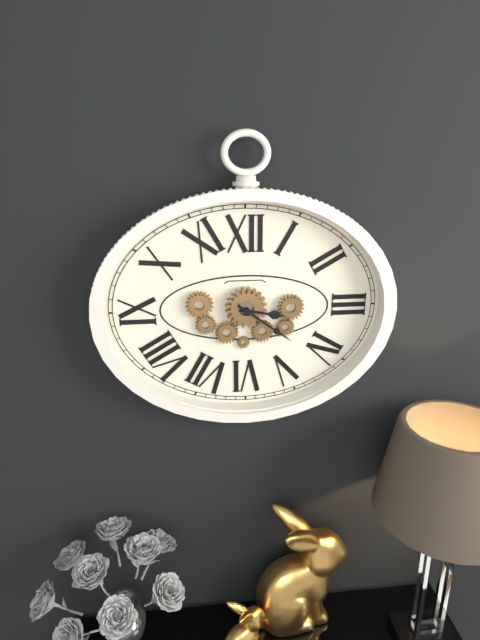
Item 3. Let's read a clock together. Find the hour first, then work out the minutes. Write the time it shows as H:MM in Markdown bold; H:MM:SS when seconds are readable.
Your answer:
**3:21**
